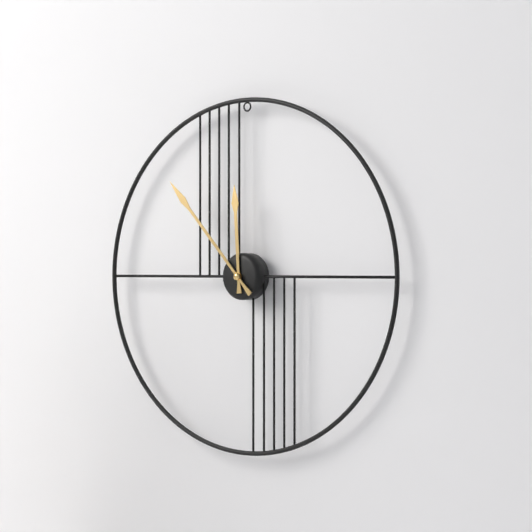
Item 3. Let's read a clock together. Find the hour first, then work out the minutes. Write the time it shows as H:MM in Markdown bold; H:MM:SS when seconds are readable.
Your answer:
**11:53**
